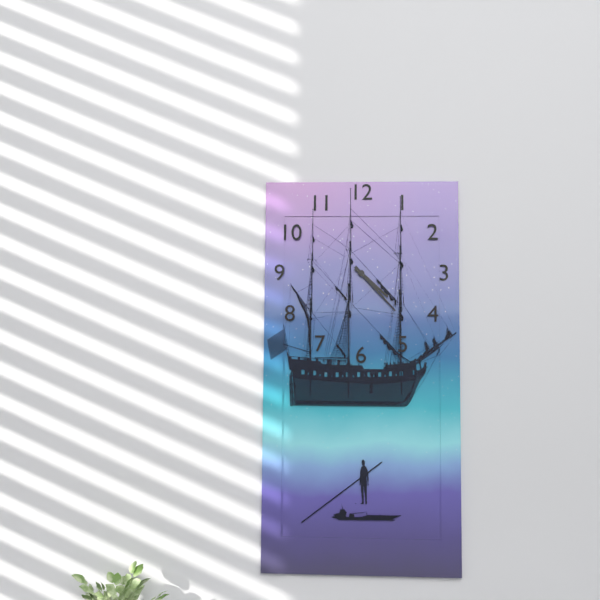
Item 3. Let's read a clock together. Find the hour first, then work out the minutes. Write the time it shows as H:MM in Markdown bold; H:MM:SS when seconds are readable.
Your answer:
**4:23**
